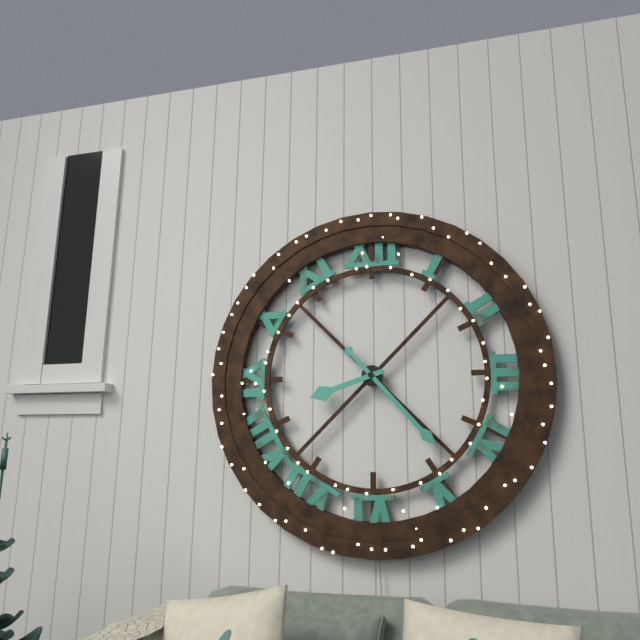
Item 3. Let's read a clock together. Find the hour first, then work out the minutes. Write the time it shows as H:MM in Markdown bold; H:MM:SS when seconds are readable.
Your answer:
**8:23**
